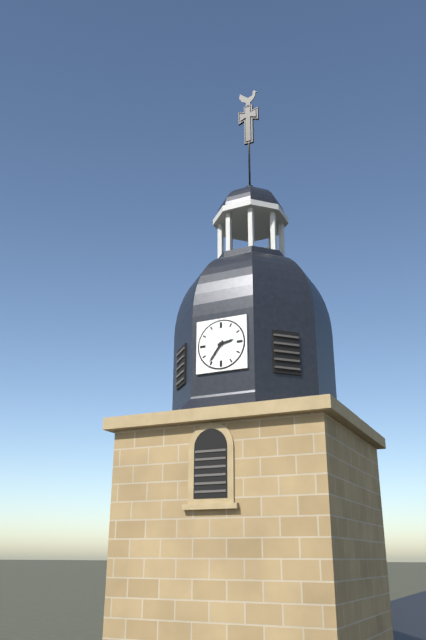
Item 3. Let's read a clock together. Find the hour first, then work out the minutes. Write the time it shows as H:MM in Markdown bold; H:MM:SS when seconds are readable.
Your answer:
**2:36**
